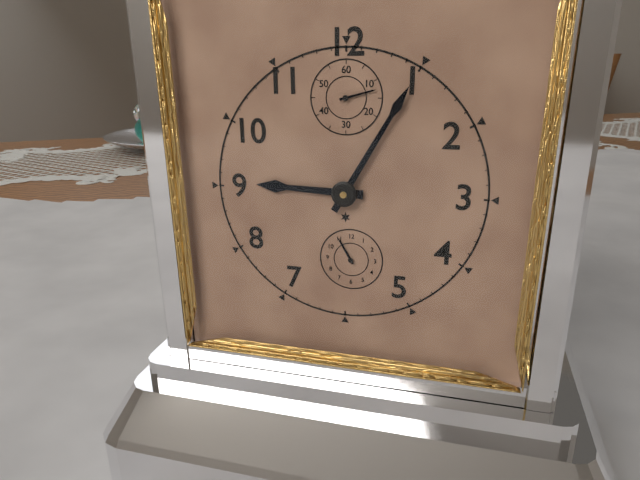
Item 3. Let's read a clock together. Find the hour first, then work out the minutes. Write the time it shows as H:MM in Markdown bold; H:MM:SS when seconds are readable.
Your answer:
**9:05**
